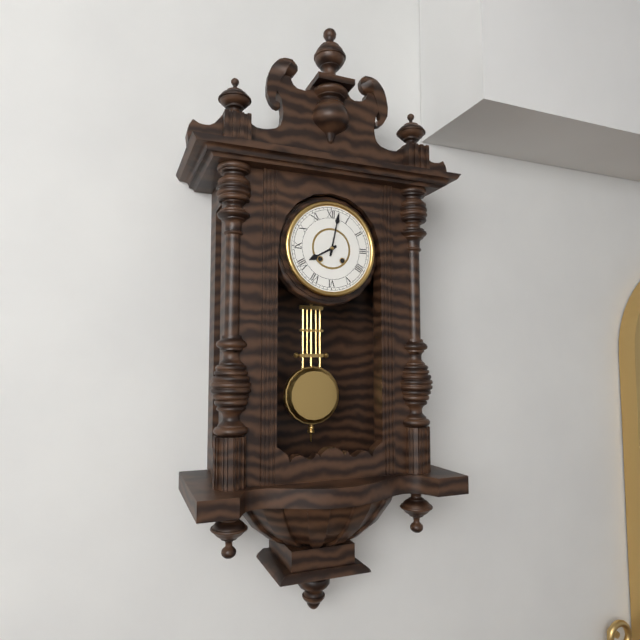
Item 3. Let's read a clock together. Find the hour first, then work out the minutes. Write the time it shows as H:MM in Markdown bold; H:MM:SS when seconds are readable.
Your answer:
**8:02**
